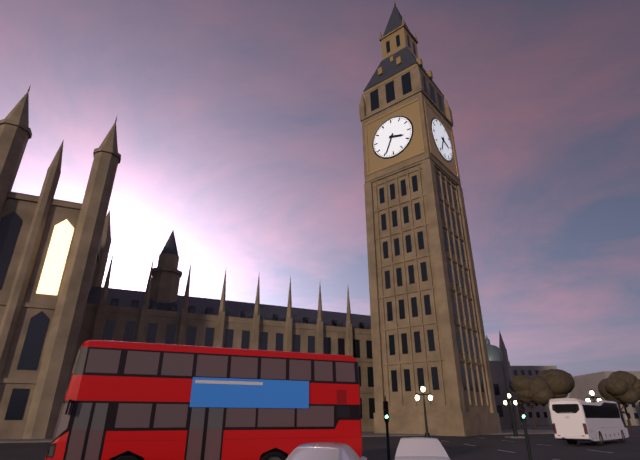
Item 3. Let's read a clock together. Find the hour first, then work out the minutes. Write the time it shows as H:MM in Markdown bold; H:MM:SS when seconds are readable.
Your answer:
**3:34**
